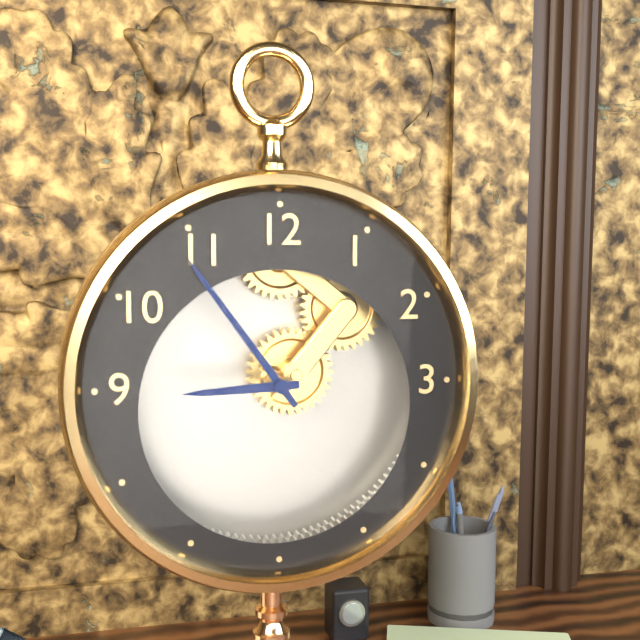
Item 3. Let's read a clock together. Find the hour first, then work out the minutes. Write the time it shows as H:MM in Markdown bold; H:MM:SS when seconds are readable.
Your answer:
**8:54**
